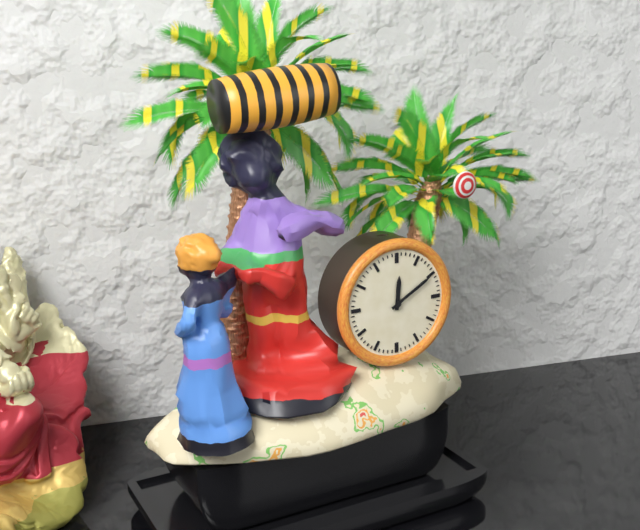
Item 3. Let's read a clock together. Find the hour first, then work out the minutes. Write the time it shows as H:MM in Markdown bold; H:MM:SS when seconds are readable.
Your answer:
**12:10**
